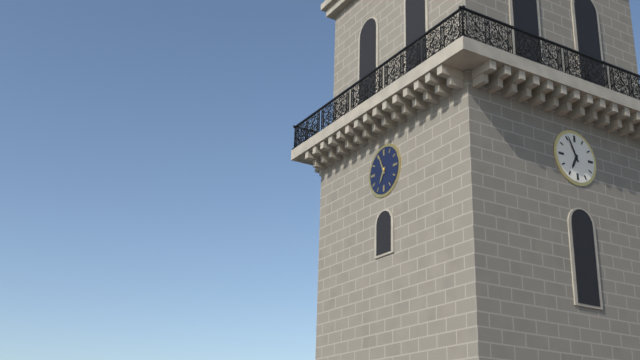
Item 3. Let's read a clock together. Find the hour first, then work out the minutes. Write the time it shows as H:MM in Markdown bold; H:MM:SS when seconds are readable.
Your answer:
**6:56**
